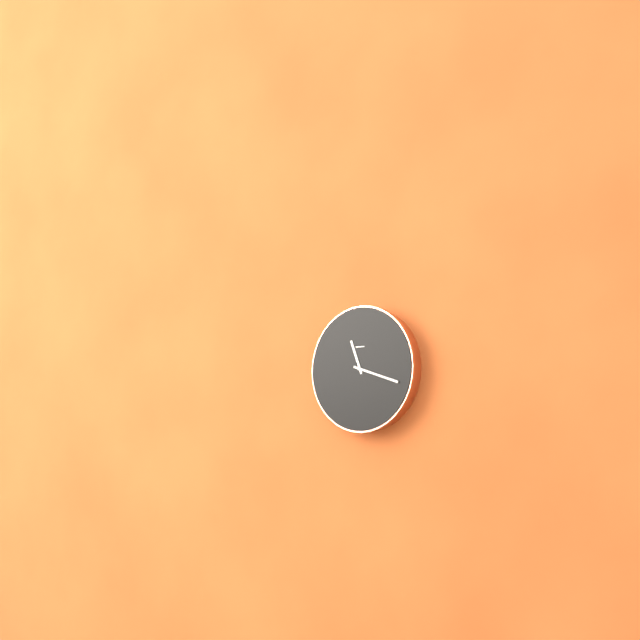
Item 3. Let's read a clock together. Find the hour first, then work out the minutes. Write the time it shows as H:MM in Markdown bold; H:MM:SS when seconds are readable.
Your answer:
**11:18**
